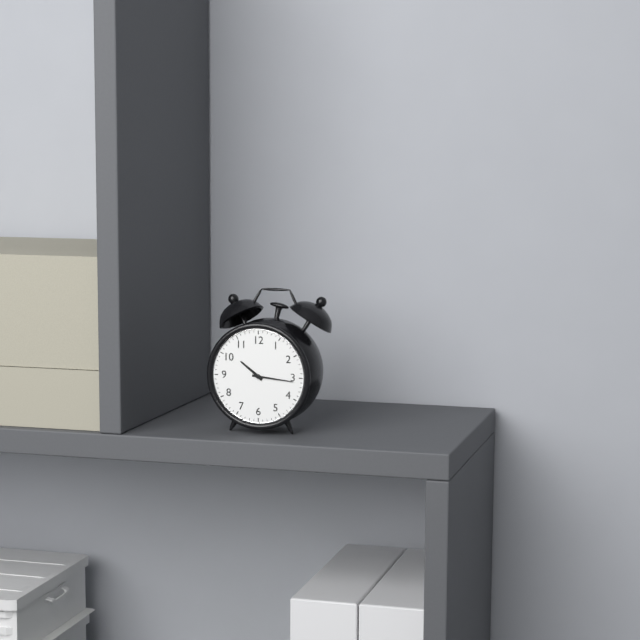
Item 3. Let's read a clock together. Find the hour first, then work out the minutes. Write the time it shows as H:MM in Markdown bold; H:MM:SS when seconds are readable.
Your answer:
**10:16**
